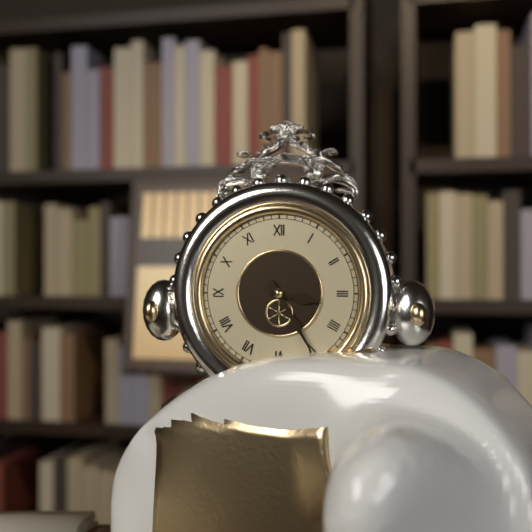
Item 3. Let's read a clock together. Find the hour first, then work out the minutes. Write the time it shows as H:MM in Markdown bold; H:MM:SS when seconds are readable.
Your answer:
**3:25**
